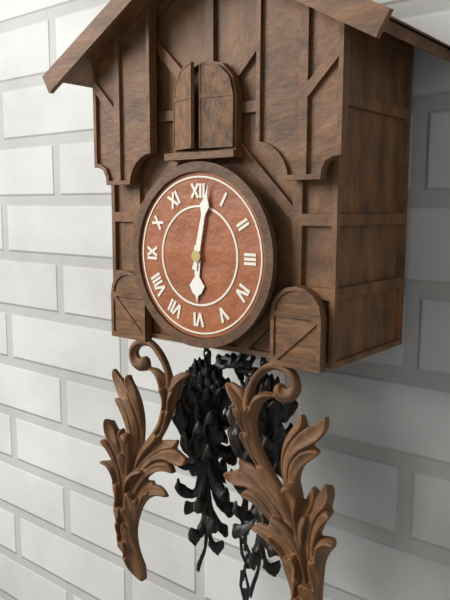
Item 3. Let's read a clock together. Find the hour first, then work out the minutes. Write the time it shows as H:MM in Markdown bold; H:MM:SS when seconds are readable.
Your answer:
**6:02**
